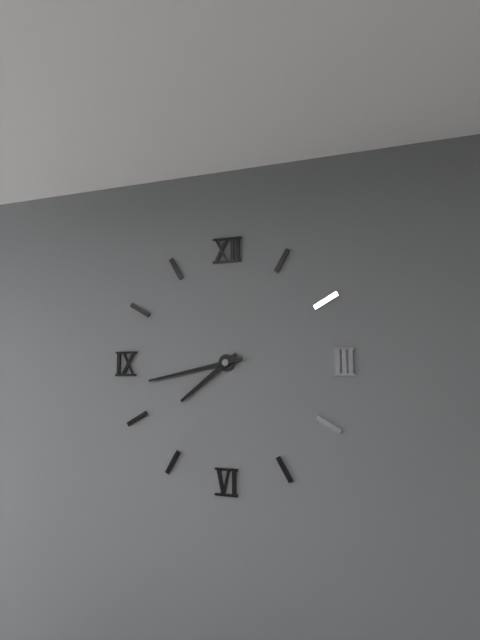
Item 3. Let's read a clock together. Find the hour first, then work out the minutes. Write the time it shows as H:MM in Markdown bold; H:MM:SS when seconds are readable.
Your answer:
**7:43**
